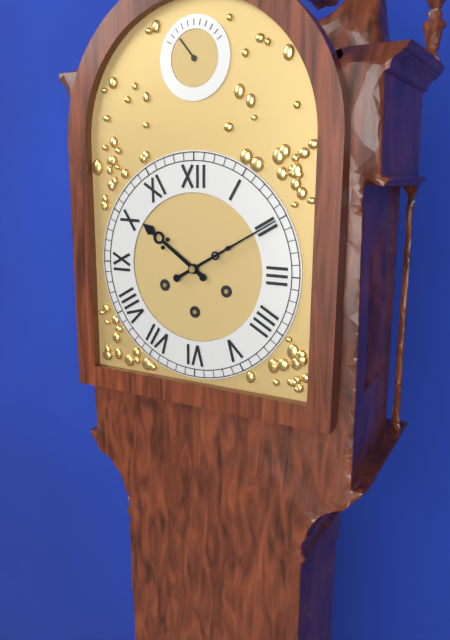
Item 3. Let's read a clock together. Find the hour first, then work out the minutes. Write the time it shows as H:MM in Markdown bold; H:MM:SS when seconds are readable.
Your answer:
**10:10**
